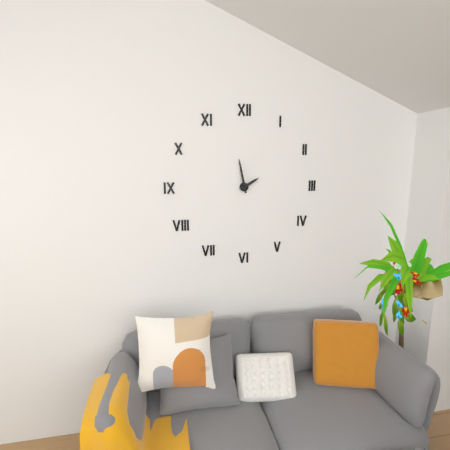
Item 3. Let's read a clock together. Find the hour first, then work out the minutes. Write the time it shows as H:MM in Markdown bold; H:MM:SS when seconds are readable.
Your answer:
**1:58**
